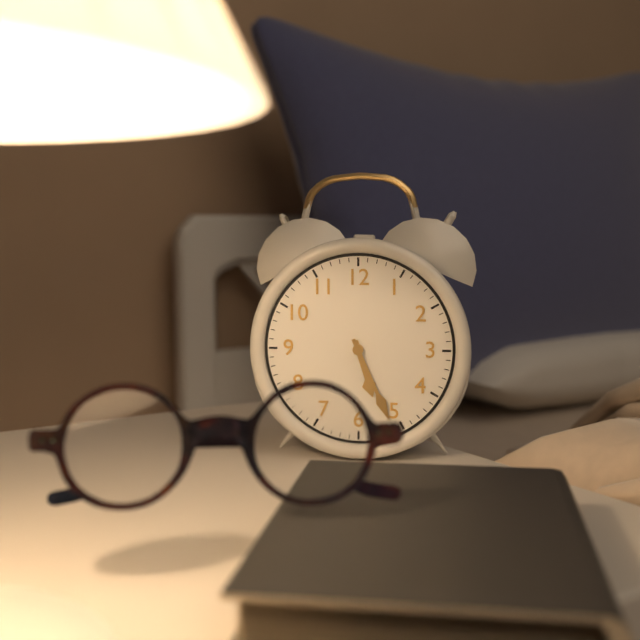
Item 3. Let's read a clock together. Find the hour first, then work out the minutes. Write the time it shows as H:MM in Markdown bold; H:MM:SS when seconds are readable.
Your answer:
**5:26**
